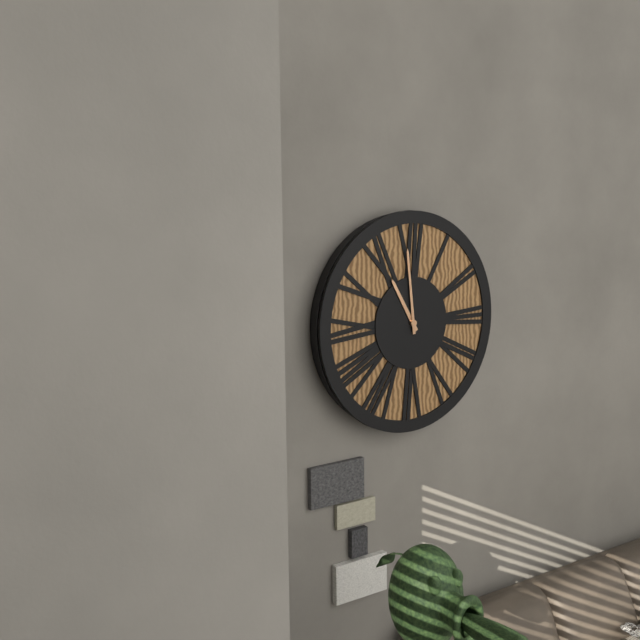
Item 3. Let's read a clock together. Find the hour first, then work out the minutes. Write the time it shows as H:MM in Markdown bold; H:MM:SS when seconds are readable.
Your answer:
**10:59**
